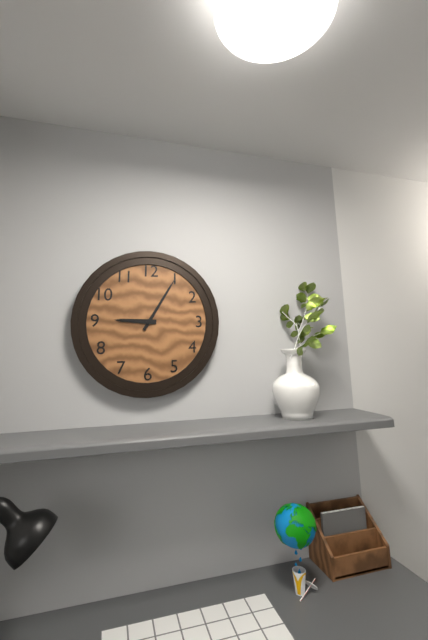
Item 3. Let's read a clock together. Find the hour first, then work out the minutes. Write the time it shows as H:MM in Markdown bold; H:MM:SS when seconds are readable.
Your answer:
**9:05**
